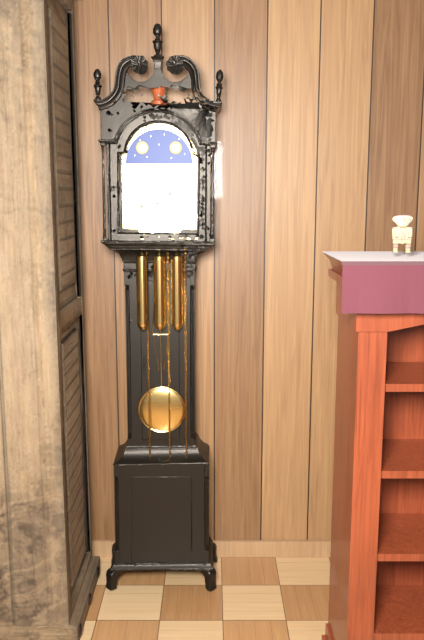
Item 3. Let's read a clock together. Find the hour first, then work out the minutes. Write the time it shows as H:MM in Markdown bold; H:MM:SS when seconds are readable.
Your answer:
**1:43**
